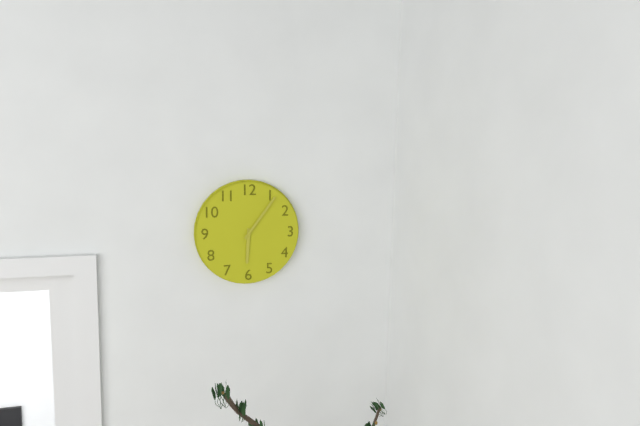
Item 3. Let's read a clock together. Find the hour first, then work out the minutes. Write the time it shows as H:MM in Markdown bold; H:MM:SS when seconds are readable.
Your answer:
**6:06**
